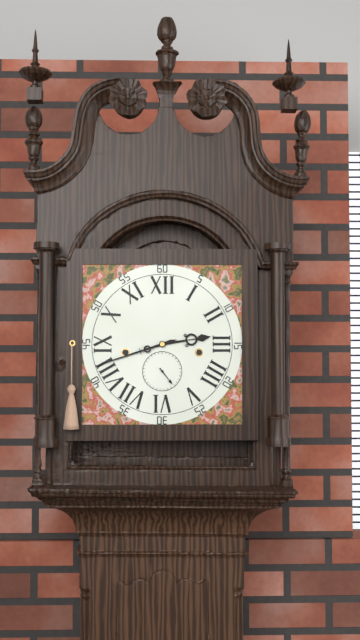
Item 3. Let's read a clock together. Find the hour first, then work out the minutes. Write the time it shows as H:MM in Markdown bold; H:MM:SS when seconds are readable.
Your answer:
**2:42**
